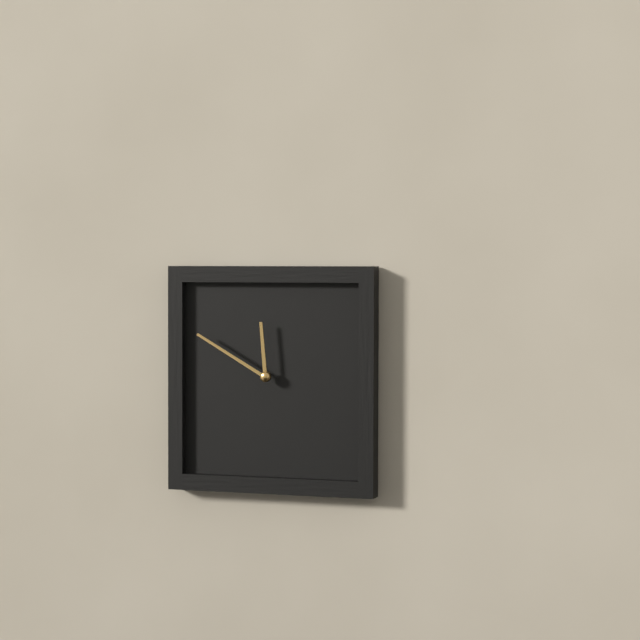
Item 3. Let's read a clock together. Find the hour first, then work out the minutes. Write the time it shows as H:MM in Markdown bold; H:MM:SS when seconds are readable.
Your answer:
**11:50**
